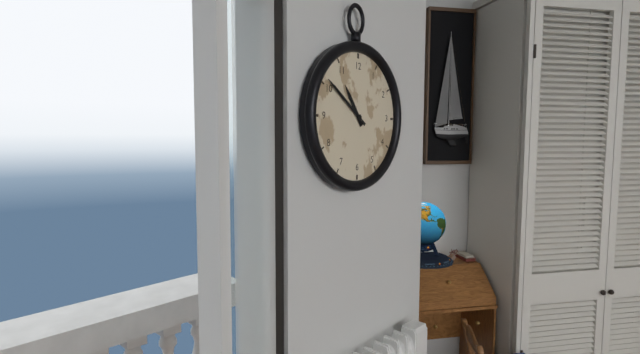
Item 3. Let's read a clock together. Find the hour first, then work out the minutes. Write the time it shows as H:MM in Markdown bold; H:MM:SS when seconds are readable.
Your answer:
**10:51**
